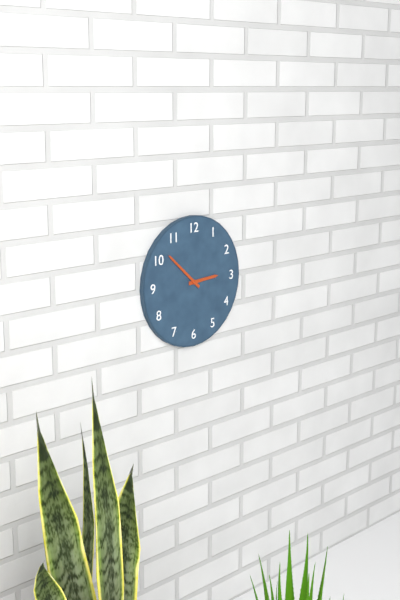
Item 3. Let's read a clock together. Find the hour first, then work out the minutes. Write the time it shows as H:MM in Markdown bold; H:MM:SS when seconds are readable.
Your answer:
**2:52**
